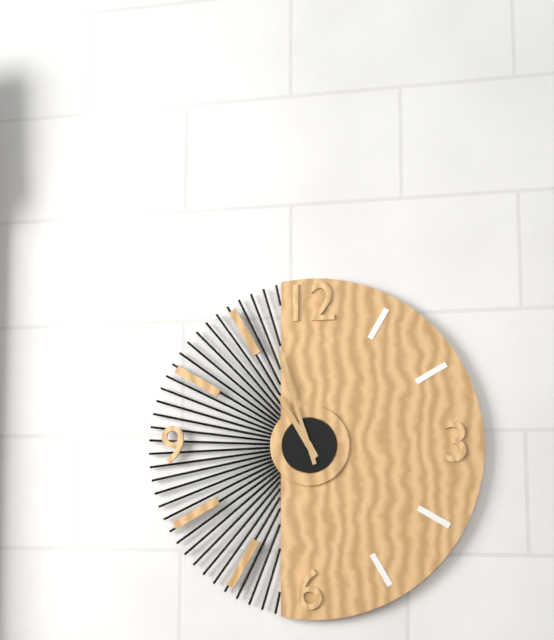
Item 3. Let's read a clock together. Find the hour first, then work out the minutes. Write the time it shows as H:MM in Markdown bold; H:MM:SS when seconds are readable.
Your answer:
**10:57**
